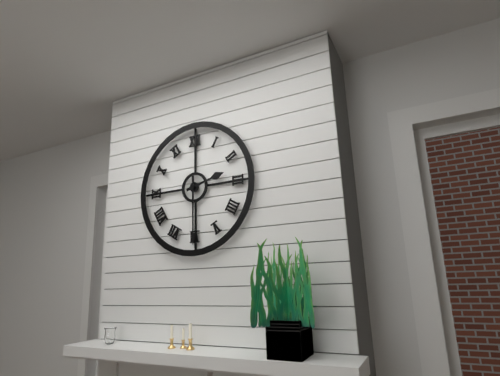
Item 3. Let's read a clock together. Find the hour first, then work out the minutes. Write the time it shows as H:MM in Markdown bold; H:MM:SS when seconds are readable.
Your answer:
**2:30**
